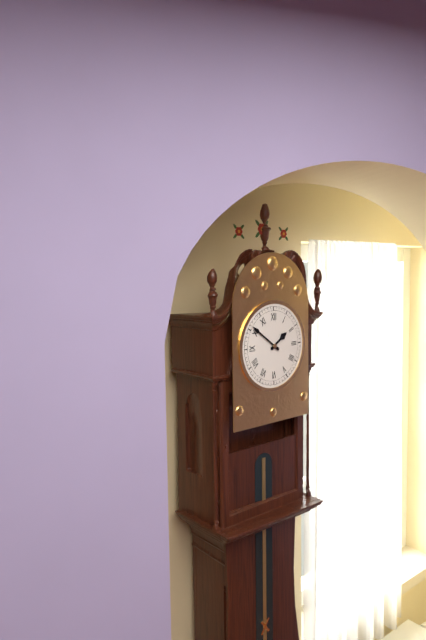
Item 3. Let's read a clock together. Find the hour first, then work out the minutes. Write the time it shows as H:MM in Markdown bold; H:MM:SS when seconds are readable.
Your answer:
**1:51**
